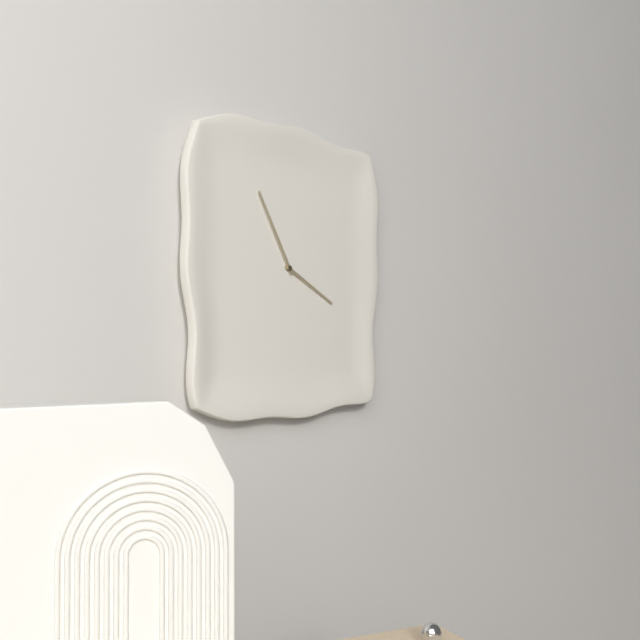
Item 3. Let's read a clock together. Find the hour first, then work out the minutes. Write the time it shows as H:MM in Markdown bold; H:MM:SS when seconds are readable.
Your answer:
**3:55**
